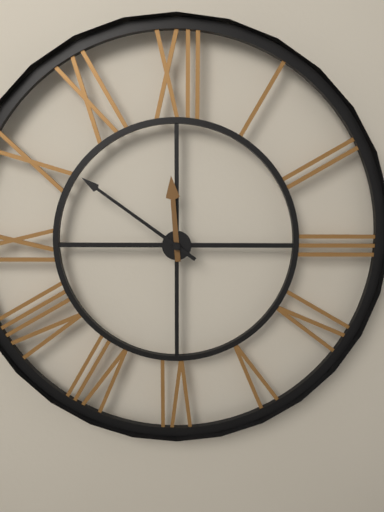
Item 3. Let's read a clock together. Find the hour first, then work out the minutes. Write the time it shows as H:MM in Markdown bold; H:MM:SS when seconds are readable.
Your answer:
**11:51**
